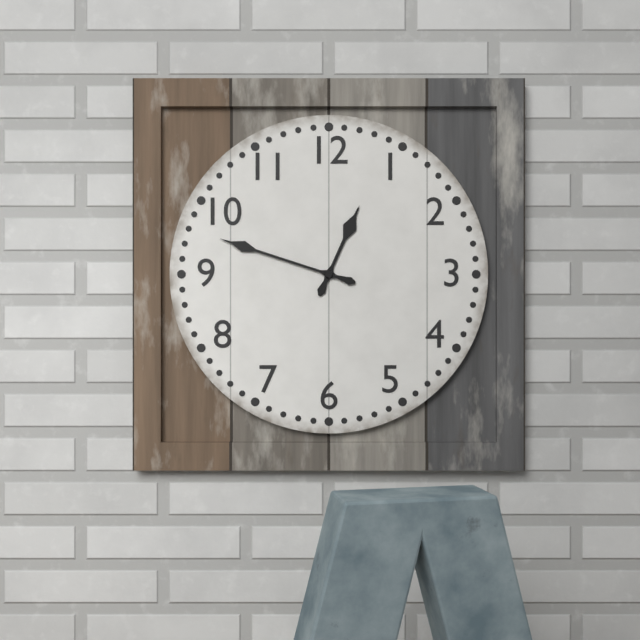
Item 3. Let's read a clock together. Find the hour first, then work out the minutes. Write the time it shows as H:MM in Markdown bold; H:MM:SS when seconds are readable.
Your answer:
**12:48**
